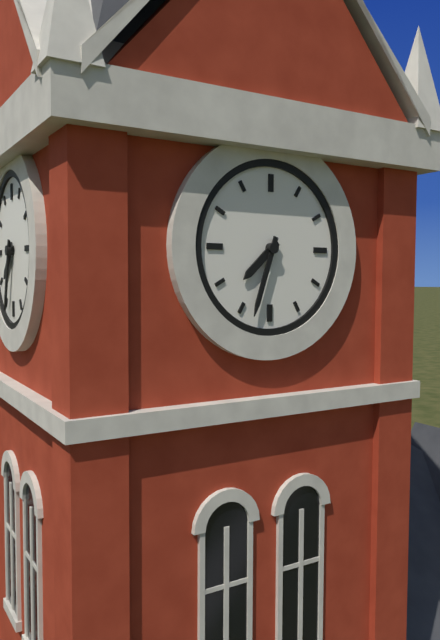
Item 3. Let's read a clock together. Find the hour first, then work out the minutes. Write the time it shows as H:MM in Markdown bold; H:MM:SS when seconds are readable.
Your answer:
**7:33**
